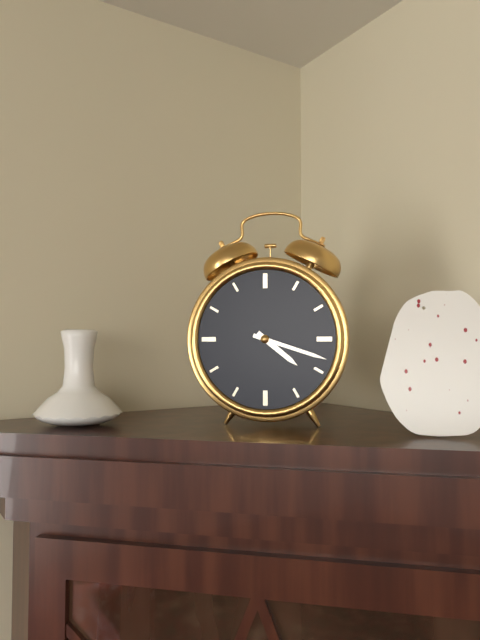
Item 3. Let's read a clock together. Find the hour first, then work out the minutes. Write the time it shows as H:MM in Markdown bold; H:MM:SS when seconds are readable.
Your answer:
**4:18**
